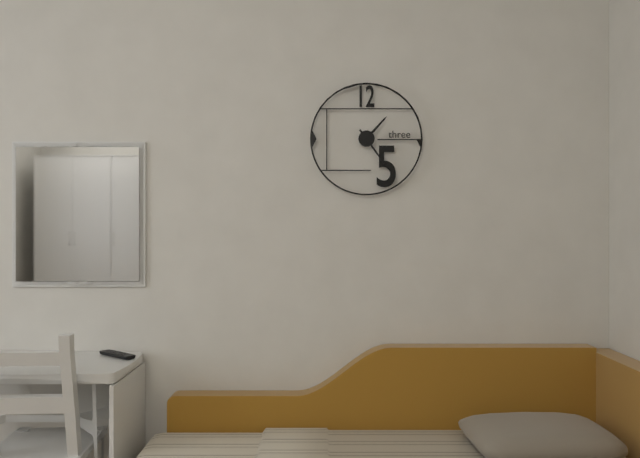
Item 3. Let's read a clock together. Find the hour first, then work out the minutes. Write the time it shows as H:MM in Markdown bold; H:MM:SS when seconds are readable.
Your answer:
**1:24**
